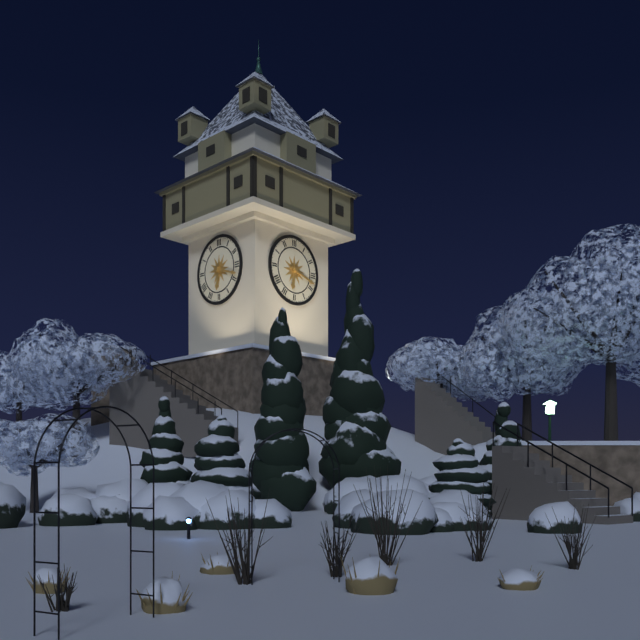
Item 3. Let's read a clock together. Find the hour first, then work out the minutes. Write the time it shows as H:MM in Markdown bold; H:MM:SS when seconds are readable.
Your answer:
**6:18**
